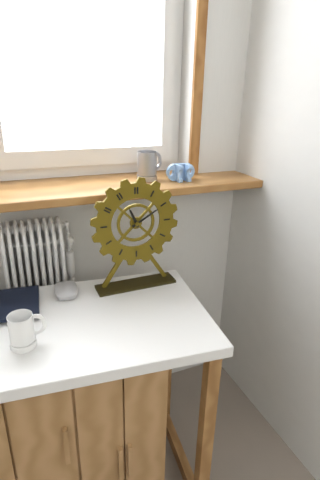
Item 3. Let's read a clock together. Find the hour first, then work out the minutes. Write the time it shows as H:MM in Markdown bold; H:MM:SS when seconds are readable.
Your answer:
**11:10**
